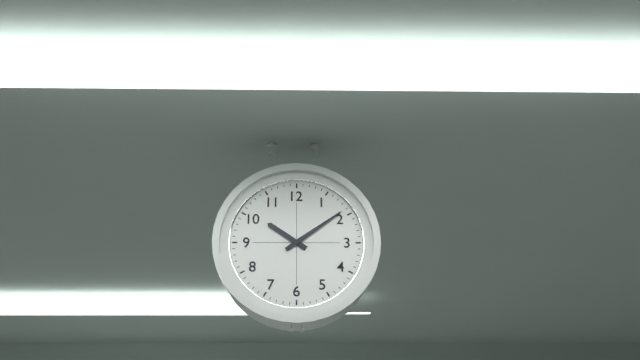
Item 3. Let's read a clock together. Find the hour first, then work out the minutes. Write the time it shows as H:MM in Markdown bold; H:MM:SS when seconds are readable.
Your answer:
**10:09**
